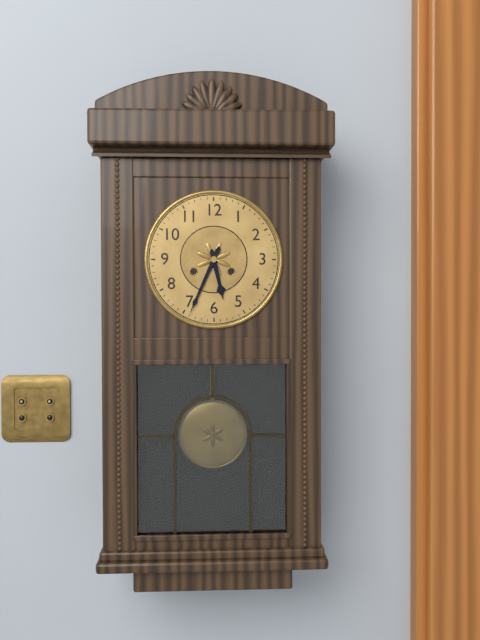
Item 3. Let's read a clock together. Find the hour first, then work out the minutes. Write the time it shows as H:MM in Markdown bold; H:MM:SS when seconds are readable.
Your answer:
**5:34**
